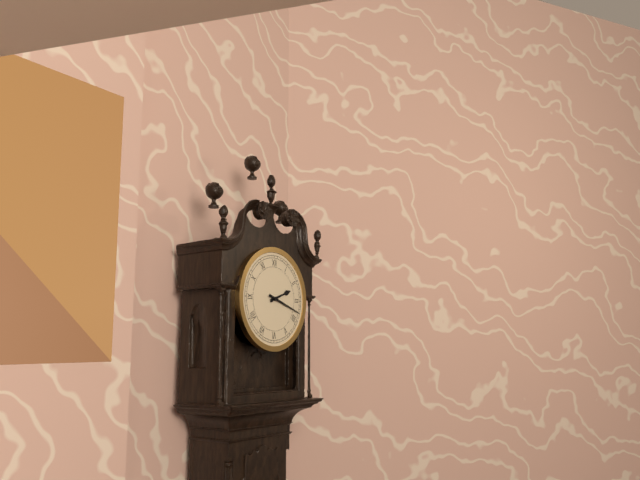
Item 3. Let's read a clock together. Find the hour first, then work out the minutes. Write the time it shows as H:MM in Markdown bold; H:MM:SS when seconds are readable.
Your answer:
**2:18**
